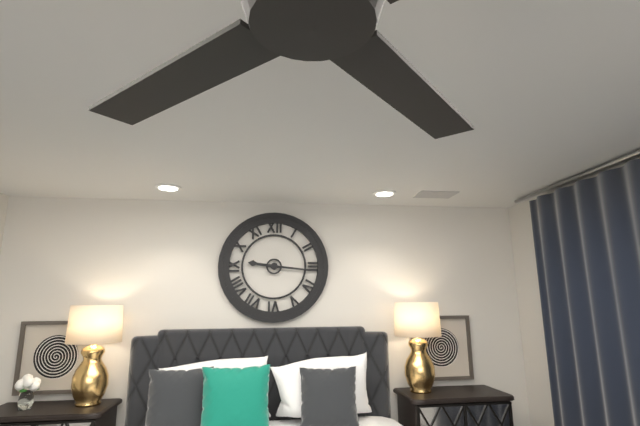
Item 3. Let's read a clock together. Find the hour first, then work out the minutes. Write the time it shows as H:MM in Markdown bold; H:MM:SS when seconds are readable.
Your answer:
**9:16**
